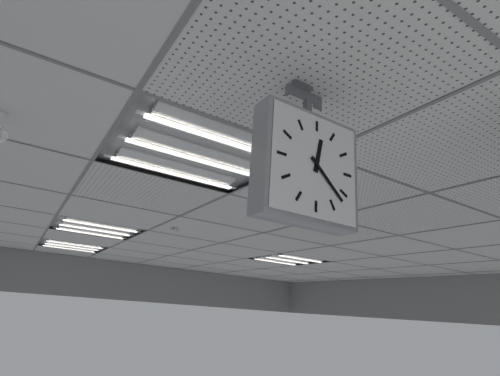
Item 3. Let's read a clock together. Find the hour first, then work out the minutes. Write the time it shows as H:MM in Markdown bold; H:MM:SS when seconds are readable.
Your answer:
**12:22**
